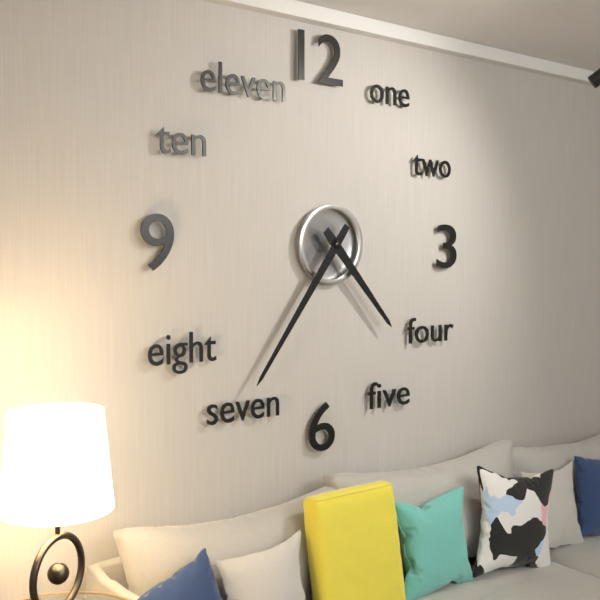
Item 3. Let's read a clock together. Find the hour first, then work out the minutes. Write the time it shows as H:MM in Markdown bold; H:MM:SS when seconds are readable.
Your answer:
**4:36**
